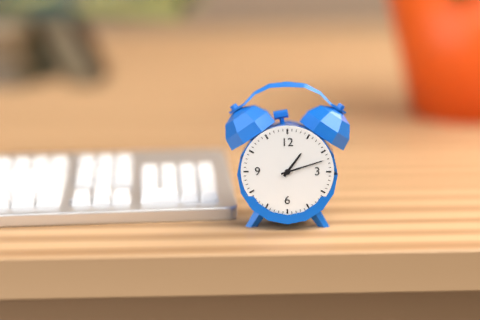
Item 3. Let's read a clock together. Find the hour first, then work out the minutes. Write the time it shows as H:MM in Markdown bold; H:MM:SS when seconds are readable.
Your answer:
**1:12**
